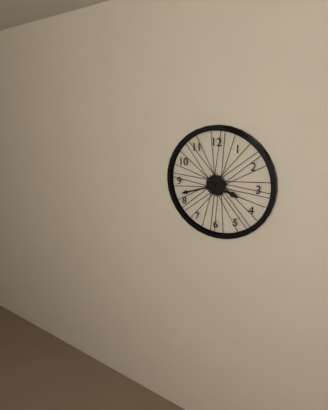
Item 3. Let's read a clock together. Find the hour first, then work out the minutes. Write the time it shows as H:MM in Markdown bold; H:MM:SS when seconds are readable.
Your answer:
**3:42**
